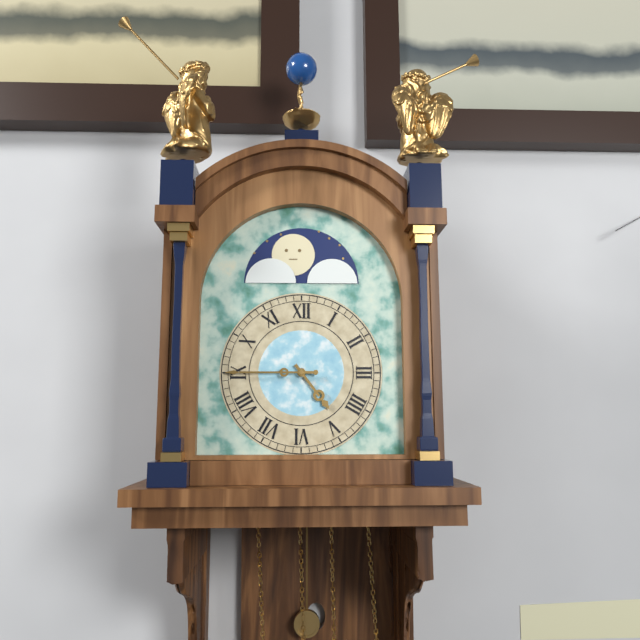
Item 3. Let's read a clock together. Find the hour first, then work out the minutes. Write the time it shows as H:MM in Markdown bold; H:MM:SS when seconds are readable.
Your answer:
**4:45**
